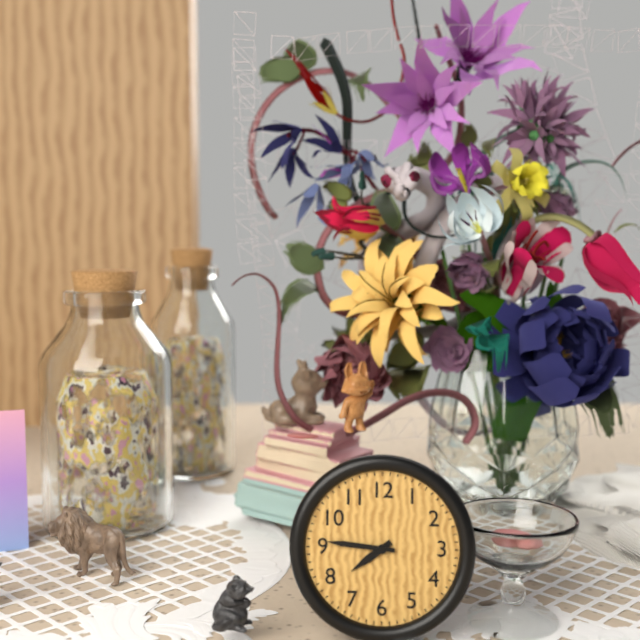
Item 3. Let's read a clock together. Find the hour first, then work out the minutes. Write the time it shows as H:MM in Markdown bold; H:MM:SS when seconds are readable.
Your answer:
**7:46**
